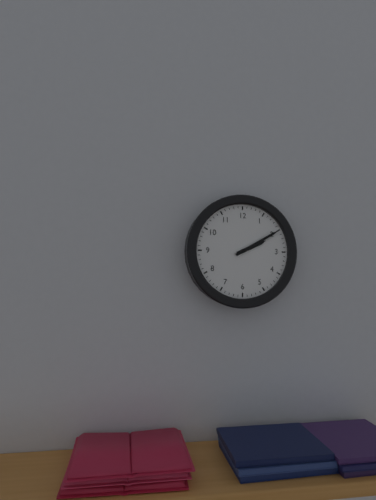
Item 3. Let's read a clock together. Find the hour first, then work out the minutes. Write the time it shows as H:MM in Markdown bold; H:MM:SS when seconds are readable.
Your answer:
**2:10**
